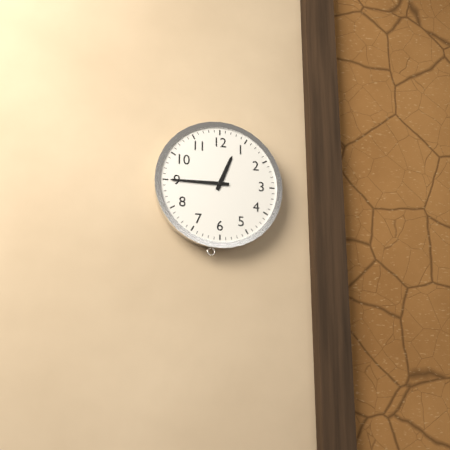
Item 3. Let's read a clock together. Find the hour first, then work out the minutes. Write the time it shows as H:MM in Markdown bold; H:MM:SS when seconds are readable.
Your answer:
**12:45**
